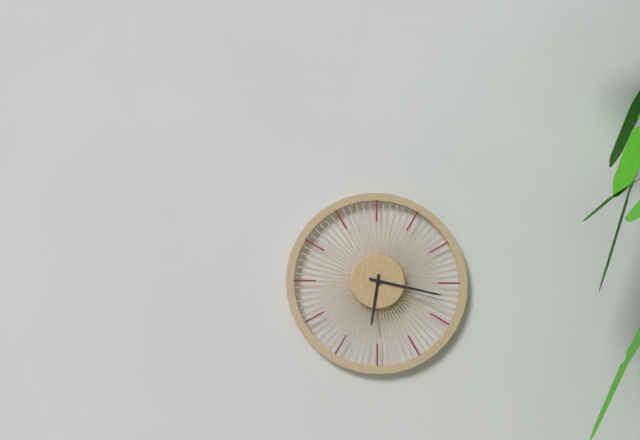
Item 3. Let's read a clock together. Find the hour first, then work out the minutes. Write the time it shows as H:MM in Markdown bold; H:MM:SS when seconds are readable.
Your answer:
**6:17**
